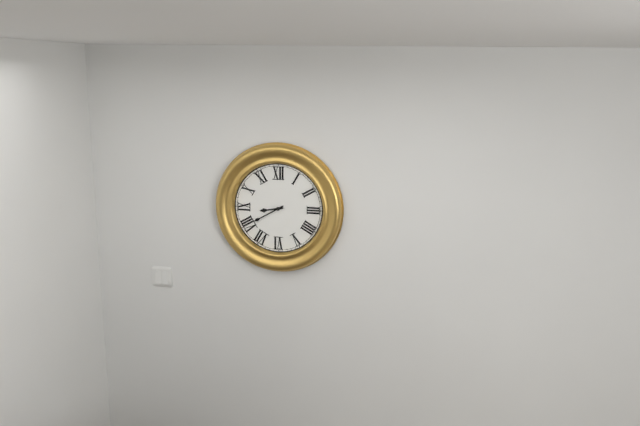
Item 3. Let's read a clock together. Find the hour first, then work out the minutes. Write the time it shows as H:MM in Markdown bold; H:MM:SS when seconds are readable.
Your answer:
**8:40**
